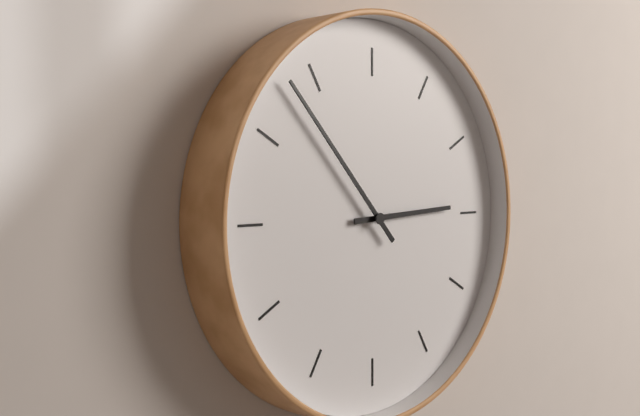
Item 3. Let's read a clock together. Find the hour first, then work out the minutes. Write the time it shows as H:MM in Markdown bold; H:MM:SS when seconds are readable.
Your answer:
**2:53**
